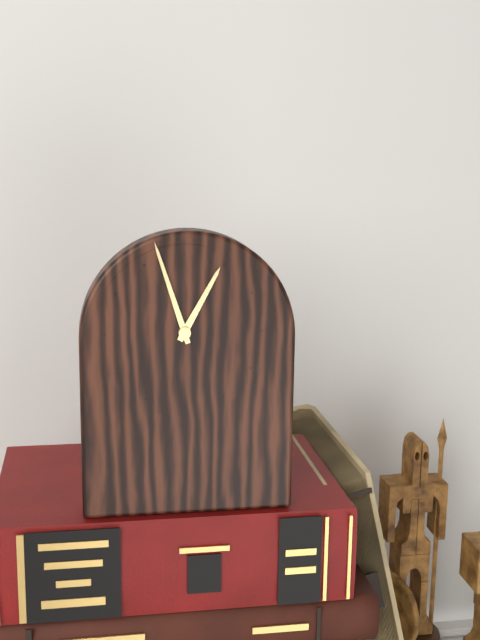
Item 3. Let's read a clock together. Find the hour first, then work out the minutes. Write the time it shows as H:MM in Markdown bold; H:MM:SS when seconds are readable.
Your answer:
**12:57**
